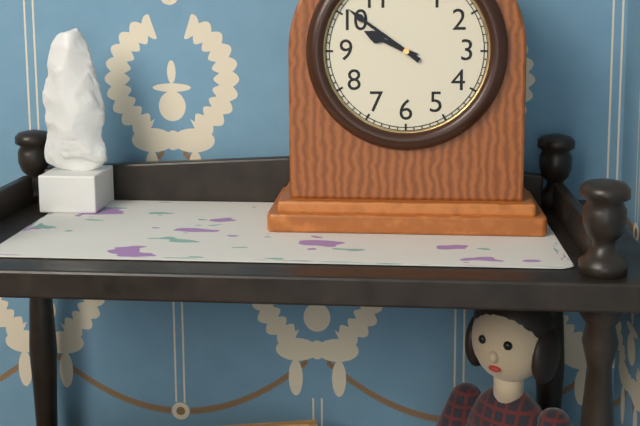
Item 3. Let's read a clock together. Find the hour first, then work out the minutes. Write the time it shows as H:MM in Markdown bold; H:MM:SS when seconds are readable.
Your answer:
**9:51**
